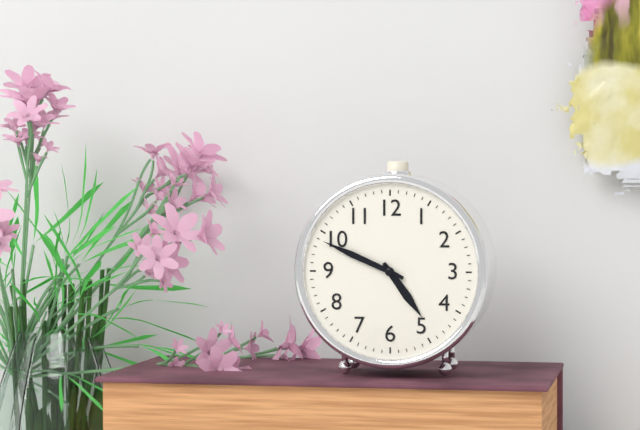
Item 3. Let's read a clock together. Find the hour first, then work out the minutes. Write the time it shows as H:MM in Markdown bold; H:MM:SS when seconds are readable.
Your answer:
**4:49**
